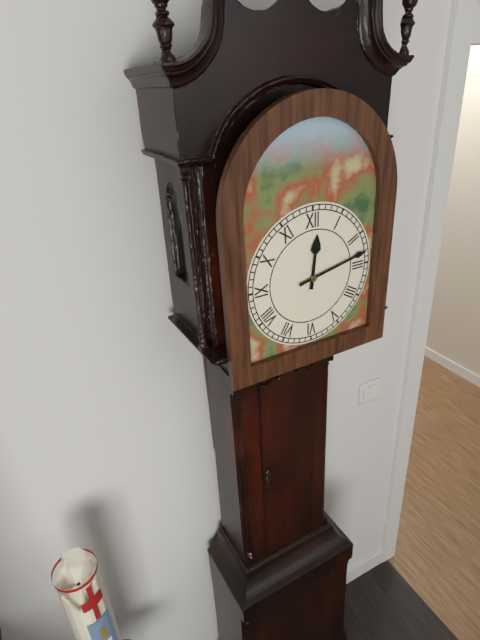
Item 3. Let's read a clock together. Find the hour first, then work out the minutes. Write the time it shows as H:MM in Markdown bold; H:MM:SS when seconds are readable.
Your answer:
**12:13**
